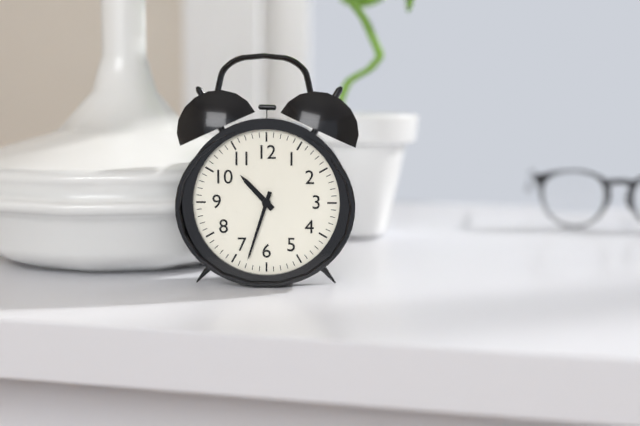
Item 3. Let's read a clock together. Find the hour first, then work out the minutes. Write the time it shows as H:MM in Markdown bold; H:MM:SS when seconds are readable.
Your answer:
**10:33**
